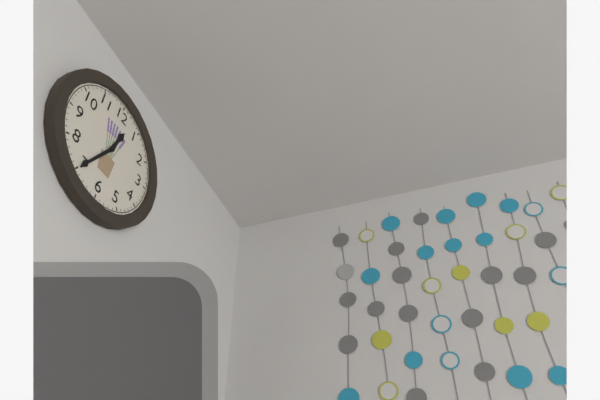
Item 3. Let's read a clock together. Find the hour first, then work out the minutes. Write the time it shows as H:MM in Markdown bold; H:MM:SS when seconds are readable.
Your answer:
**12:35**
